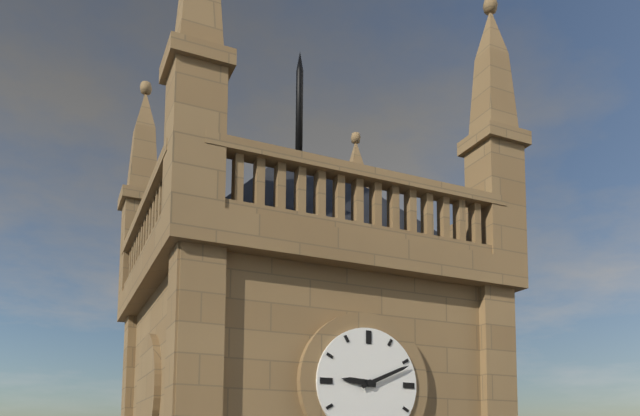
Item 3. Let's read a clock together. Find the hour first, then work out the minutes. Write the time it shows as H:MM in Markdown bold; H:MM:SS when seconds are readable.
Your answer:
**9:11**
